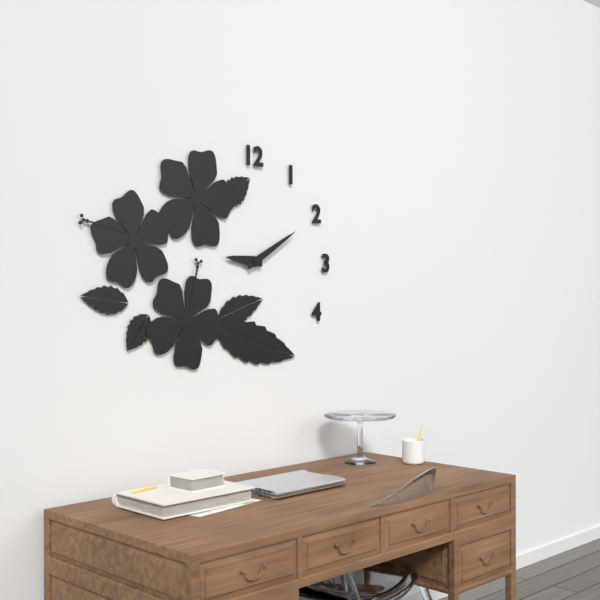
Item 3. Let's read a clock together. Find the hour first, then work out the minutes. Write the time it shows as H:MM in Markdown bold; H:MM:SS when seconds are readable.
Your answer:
**9:10**
